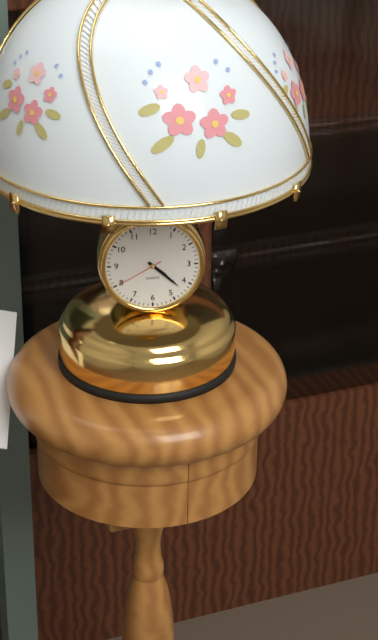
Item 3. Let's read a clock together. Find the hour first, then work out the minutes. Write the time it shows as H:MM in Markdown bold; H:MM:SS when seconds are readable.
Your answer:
**4:22**
